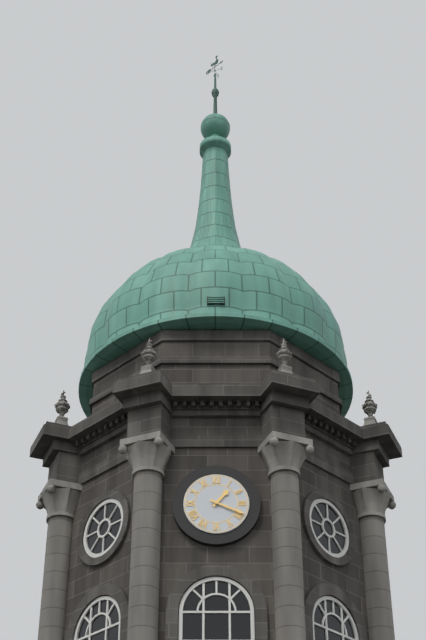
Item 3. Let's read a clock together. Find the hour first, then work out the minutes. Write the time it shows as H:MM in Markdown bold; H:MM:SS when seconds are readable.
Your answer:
**1:19**
